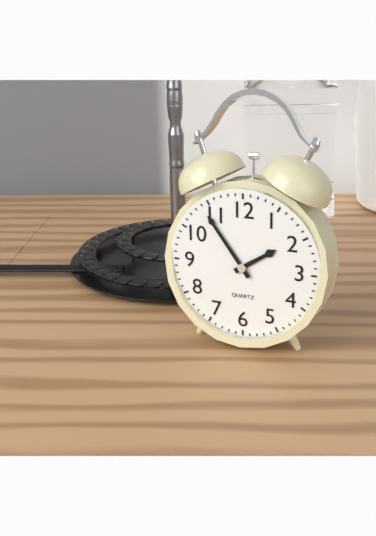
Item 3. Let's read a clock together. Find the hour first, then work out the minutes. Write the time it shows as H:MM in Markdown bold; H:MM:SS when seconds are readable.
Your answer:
**1:54**
